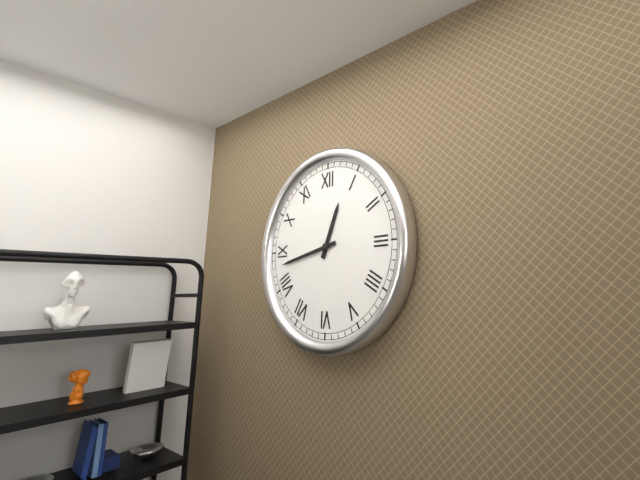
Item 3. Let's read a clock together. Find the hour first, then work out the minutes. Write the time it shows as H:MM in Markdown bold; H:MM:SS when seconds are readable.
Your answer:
**12:43**
